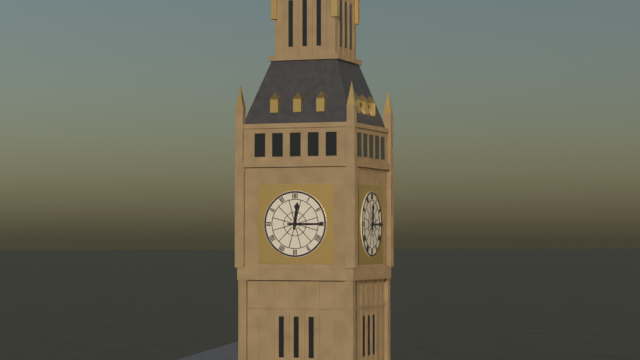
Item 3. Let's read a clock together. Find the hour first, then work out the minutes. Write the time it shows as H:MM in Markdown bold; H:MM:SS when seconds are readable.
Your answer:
**12:15**
